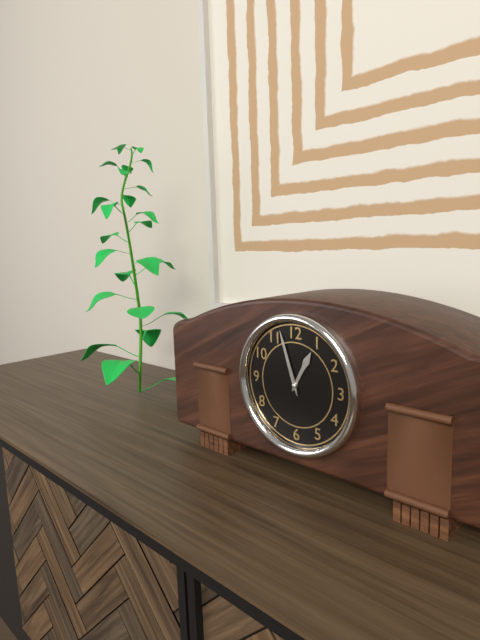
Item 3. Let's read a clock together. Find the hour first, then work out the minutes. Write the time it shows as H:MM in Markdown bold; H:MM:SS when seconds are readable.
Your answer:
**12:57**
